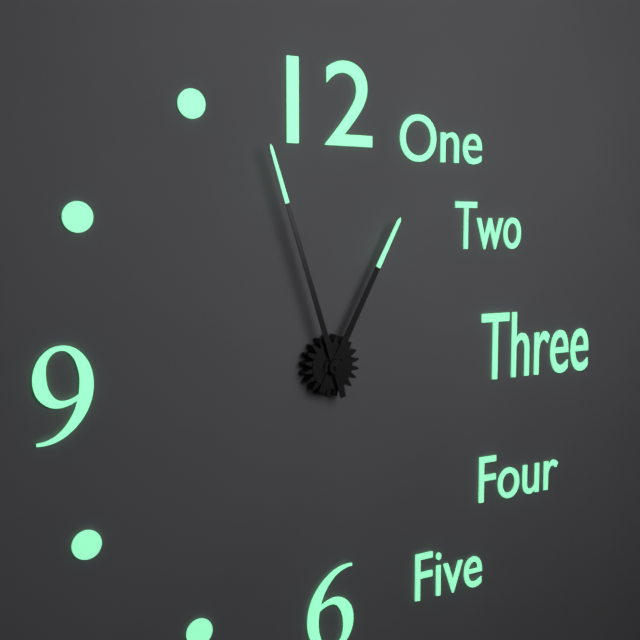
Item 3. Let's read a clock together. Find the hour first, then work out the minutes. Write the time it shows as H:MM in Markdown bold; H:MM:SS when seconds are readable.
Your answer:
**12:57**
